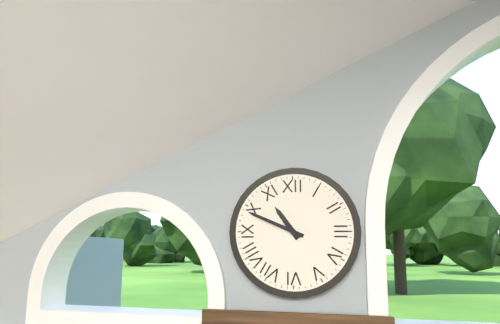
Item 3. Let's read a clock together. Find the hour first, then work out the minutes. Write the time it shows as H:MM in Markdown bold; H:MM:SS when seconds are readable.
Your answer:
**10:49**
